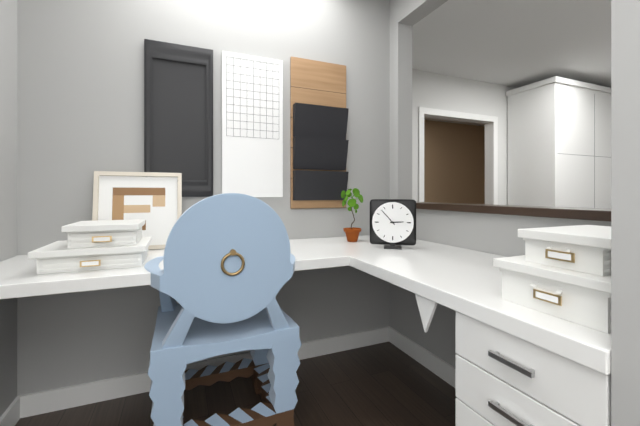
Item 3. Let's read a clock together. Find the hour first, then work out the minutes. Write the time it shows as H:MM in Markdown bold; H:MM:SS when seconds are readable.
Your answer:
**2:53**
